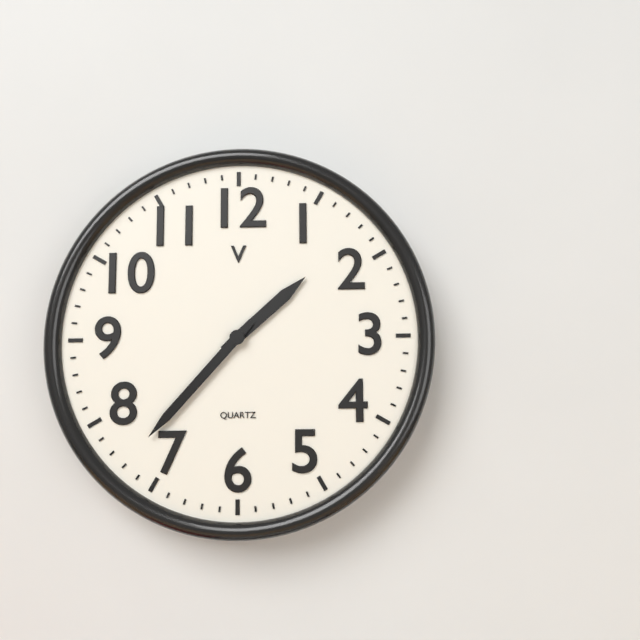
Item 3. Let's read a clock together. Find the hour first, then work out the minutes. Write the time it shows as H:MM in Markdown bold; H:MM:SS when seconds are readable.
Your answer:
**1:37**
